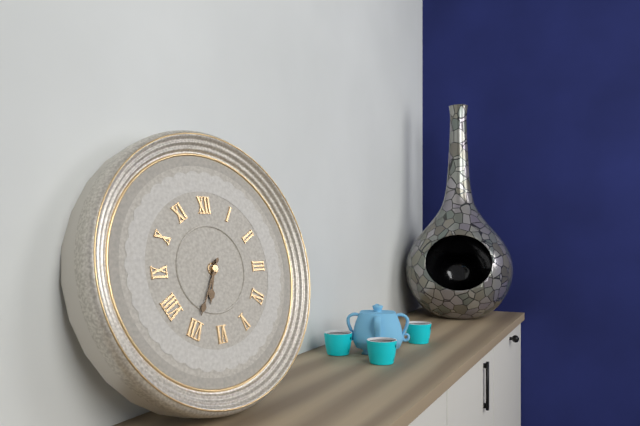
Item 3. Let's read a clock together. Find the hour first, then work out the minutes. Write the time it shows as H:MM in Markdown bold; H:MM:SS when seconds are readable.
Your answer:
**6:35**
